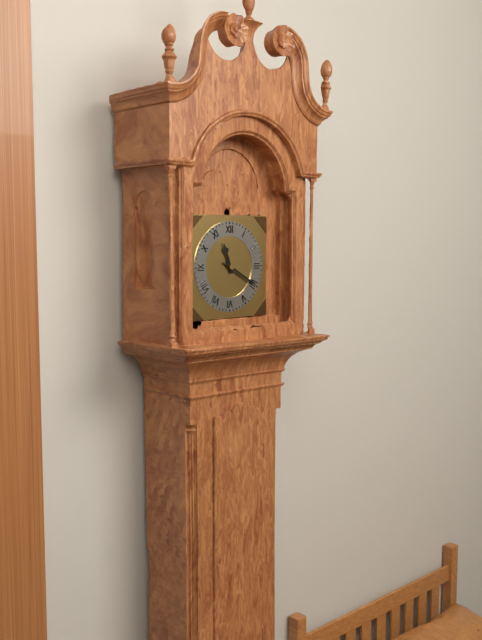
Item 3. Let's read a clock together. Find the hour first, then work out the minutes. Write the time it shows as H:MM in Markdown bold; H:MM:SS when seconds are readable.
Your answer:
**11:20**
